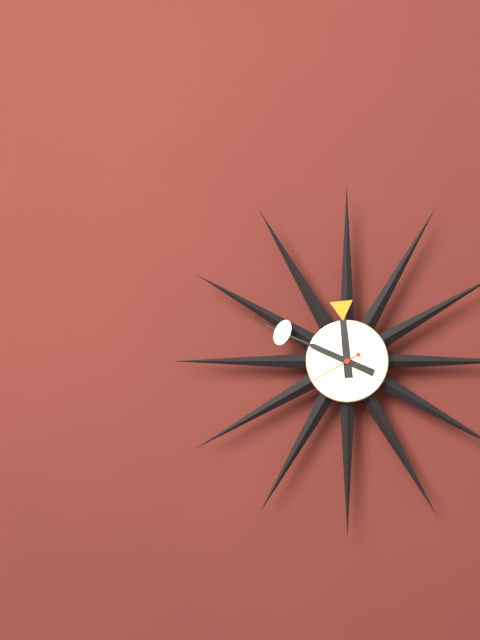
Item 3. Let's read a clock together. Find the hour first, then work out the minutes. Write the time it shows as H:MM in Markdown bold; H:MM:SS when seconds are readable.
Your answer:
**11:49**
